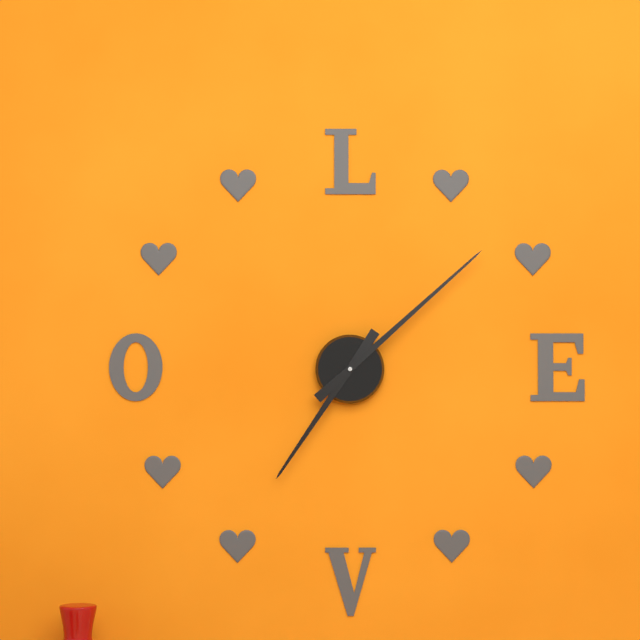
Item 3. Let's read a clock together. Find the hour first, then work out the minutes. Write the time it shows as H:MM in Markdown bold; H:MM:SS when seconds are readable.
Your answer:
**7:08**
